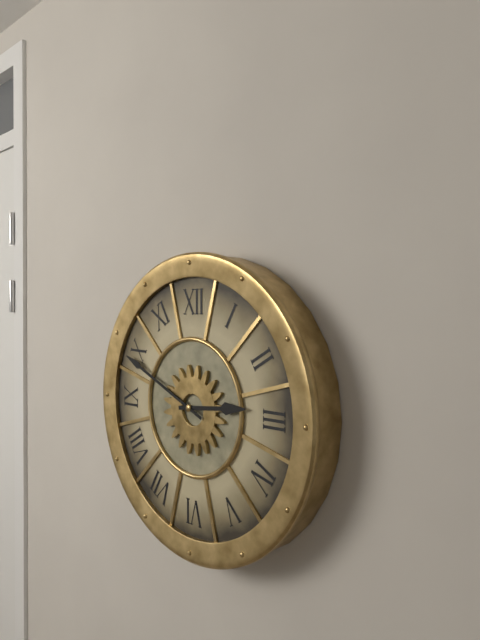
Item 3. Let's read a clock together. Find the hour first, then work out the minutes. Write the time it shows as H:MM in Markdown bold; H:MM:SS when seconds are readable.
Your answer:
**2:49**
